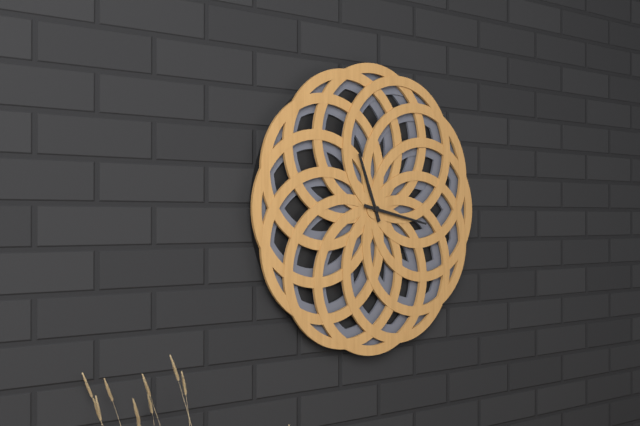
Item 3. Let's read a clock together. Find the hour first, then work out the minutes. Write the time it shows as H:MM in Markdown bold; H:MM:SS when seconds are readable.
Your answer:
**11:17**
